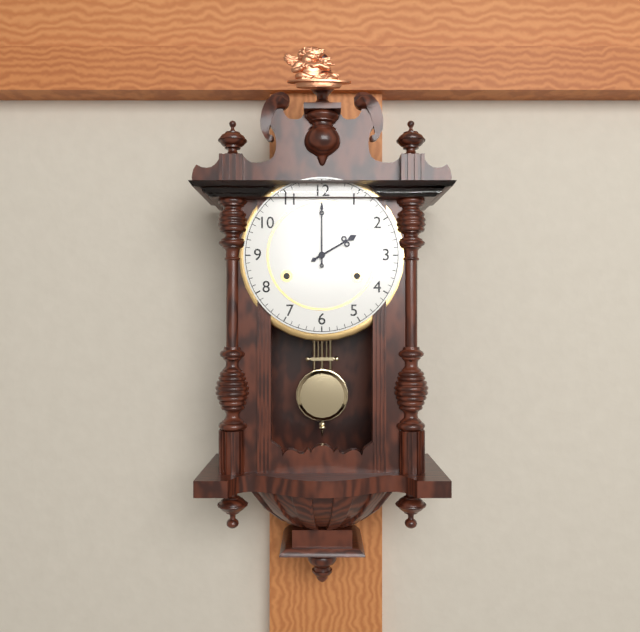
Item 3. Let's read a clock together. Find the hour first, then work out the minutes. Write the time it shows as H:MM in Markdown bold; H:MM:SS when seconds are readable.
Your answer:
**2:00**
